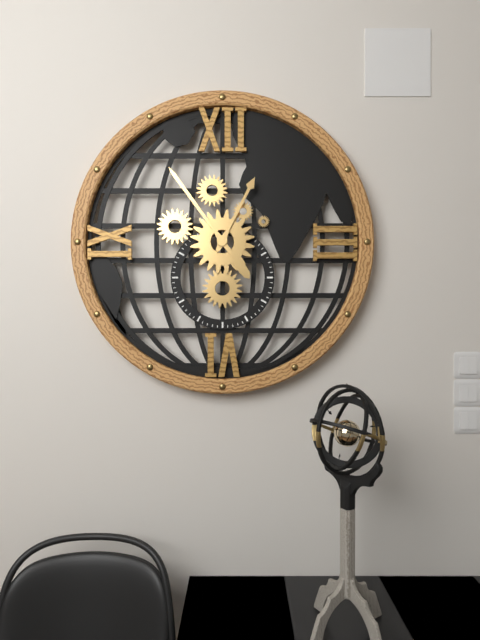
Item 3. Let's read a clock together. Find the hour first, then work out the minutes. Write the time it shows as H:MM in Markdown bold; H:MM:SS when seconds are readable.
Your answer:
**12:54**
